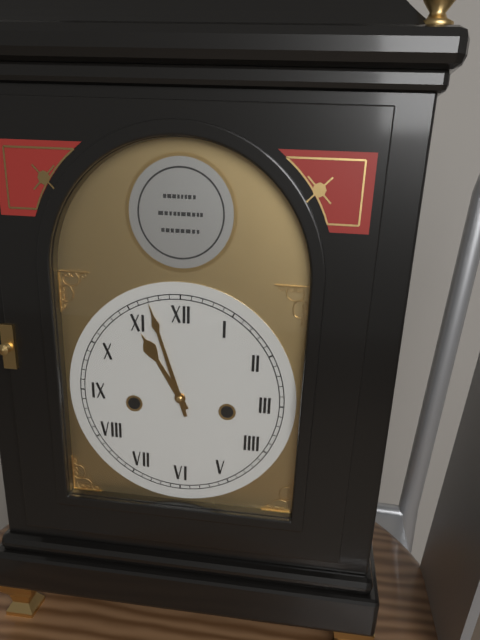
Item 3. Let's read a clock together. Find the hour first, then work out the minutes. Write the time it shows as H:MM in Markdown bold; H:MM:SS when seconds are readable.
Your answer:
**10:57**
